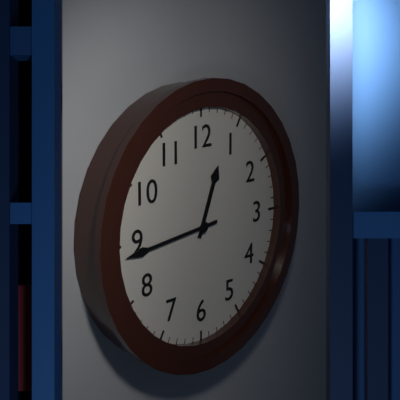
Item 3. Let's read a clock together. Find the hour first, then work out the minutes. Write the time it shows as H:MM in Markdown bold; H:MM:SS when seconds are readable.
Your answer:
**12:44**
